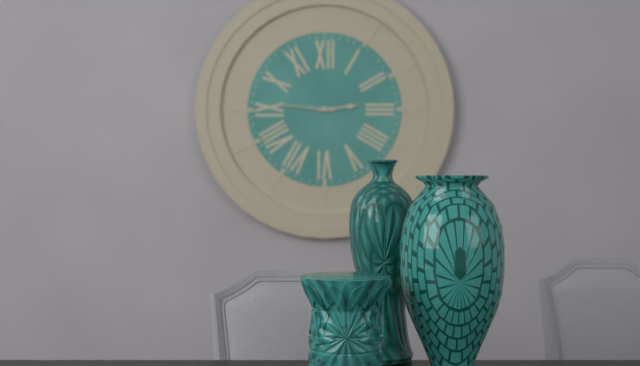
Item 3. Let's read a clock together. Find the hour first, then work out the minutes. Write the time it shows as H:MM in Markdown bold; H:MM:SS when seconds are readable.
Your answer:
**2:46**
